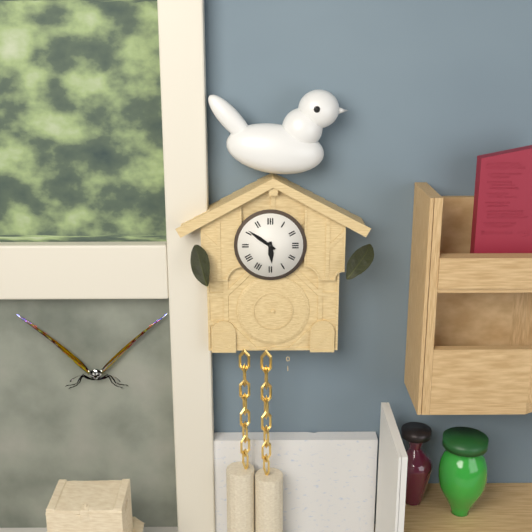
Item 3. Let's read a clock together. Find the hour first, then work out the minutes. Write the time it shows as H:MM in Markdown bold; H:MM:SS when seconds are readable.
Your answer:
**5:51**
